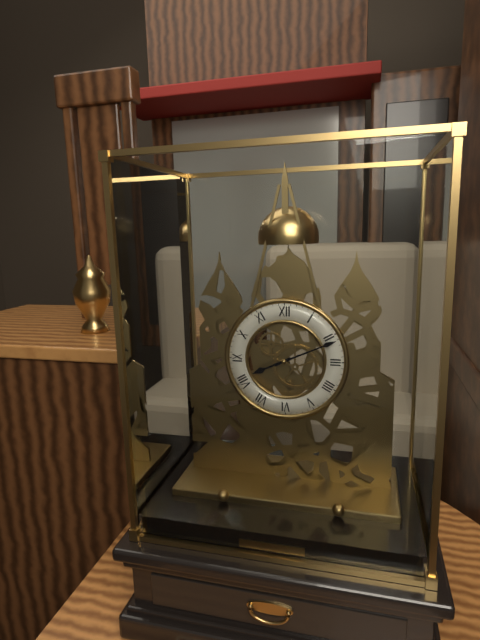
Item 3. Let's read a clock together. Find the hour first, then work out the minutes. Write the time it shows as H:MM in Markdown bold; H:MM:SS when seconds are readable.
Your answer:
**8:11**
